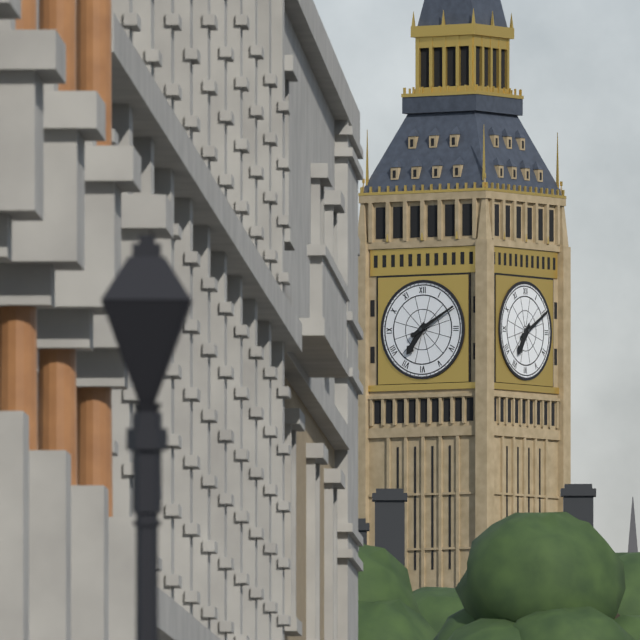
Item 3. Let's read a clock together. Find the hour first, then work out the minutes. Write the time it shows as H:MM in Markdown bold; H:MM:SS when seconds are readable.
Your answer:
**7:10**
